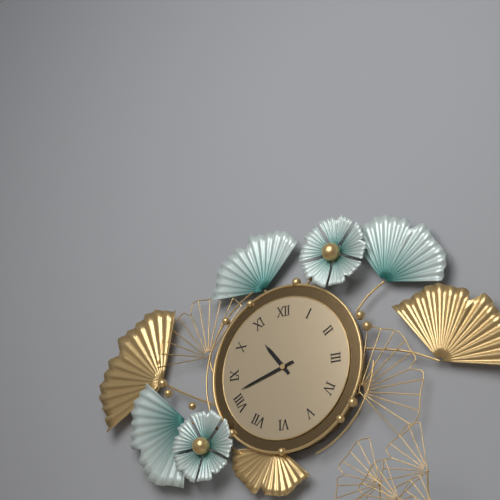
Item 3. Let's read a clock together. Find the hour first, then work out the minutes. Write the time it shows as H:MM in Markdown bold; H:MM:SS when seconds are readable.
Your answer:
**10:42**
